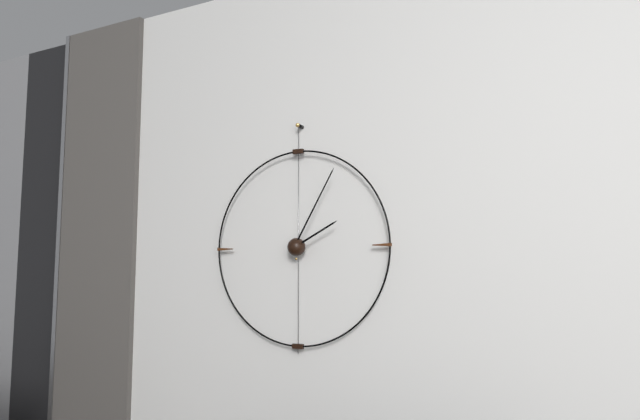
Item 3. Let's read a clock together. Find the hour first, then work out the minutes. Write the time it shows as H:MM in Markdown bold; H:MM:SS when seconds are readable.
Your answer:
**2:05**
